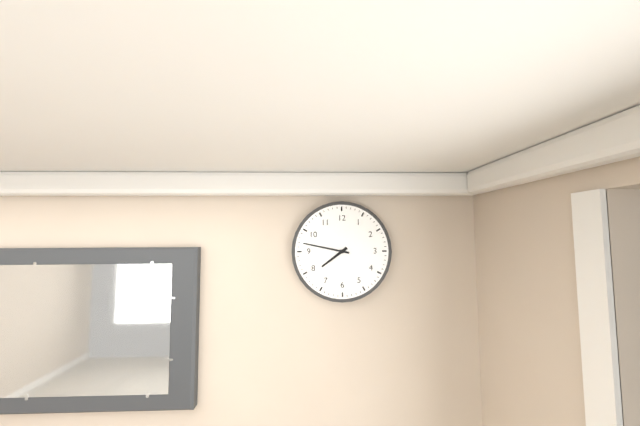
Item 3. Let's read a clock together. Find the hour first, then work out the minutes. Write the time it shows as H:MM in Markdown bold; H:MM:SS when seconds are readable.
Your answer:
**7:47**
